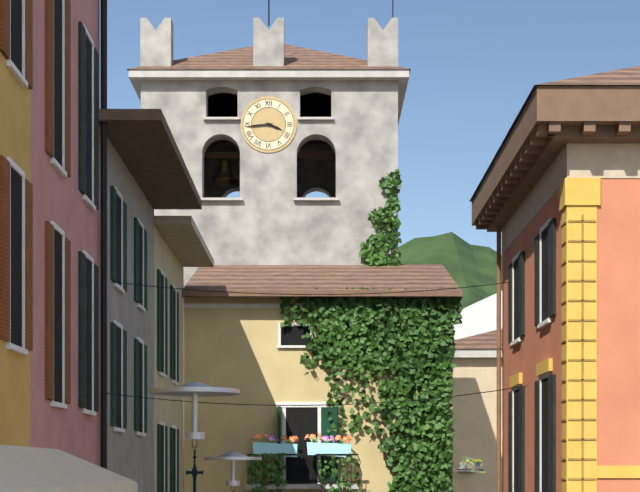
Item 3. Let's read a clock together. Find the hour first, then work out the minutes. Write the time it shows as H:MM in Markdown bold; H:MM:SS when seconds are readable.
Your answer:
**3:44**
